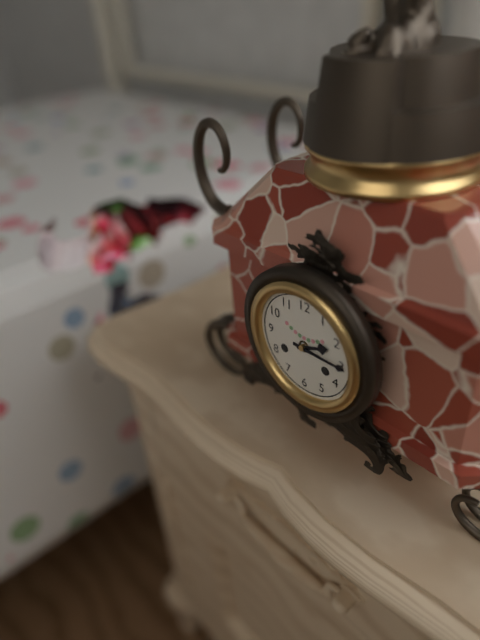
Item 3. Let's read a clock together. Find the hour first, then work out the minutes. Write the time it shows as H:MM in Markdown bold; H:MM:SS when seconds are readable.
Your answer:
**2:15**
